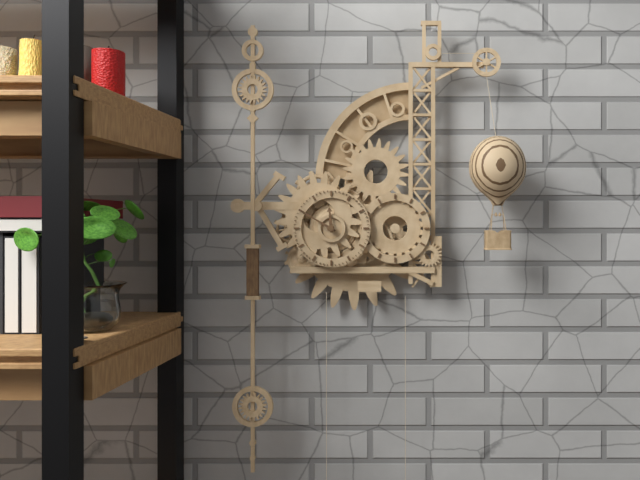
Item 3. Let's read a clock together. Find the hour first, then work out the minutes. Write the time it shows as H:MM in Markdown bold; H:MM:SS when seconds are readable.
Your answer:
**11:50**
